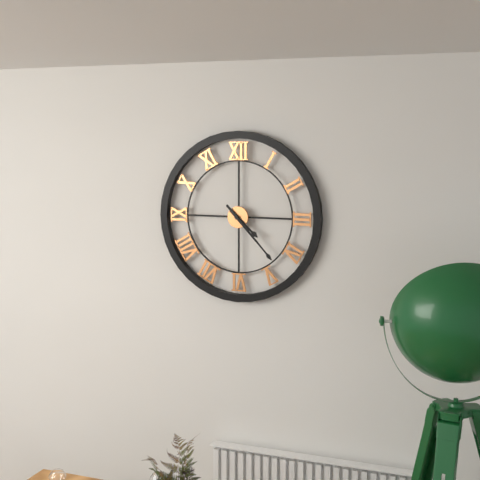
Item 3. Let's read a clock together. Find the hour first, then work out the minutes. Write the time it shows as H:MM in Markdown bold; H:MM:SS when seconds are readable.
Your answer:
**4:23**
